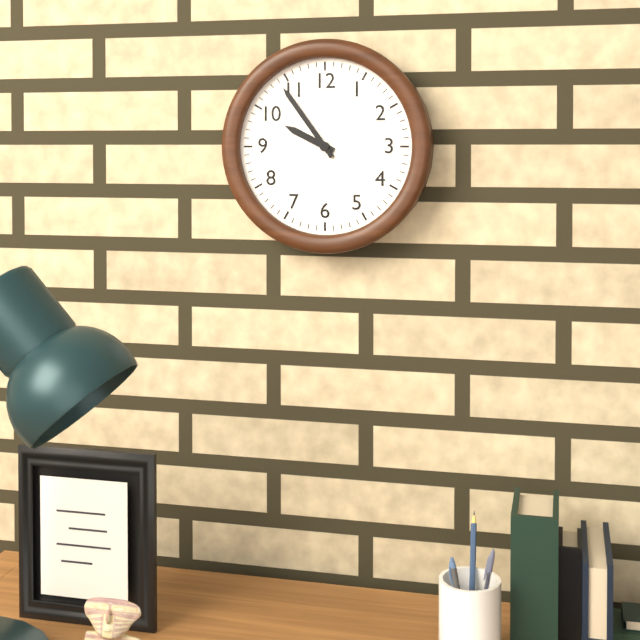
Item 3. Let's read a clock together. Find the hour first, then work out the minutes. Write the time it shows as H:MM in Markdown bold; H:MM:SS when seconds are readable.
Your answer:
**9:54**
